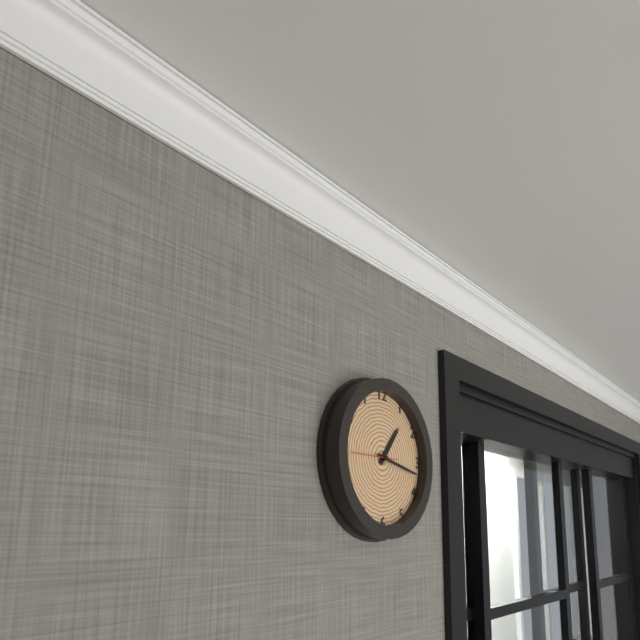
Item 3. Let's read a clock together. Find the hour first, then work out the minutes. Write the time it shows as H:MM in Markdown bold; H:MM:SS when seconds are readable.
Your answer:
**1:17**
